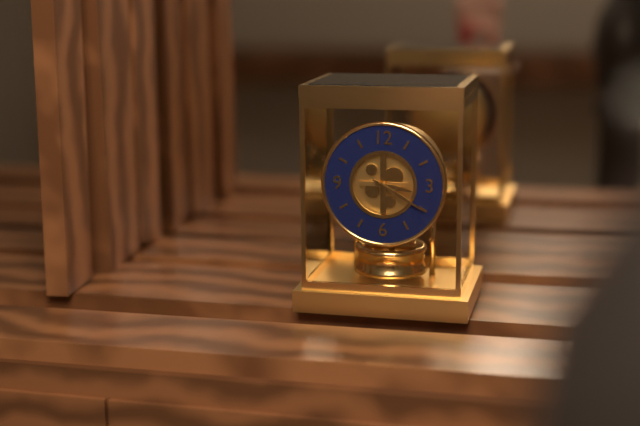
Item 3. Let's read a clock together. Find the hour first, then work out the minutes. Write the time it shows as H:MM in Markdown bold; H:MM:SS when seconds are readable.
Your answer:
**3:20**
